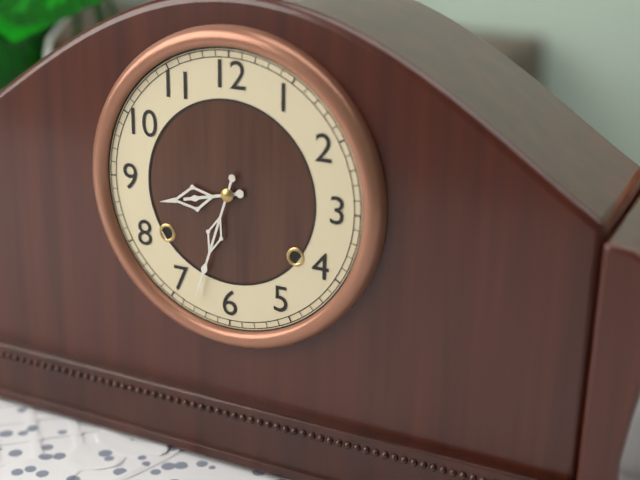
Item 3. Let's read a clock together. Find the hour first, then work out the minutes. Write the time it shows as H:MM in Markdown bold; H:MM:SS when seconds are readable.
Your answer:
**8:33**
